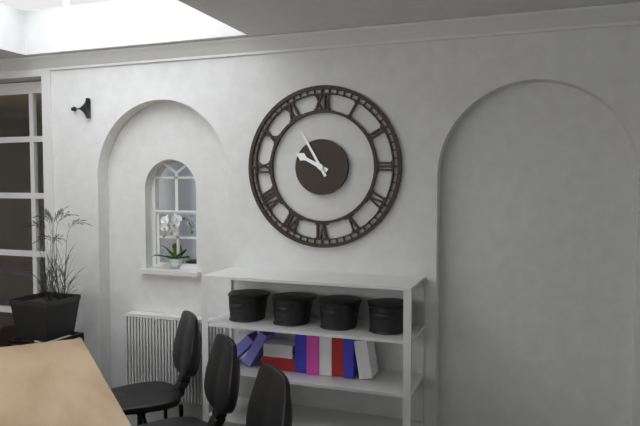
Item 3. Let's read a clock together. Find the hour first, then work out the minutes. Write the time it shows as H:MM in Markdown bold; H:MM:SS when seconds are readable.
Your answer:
**9:55**
